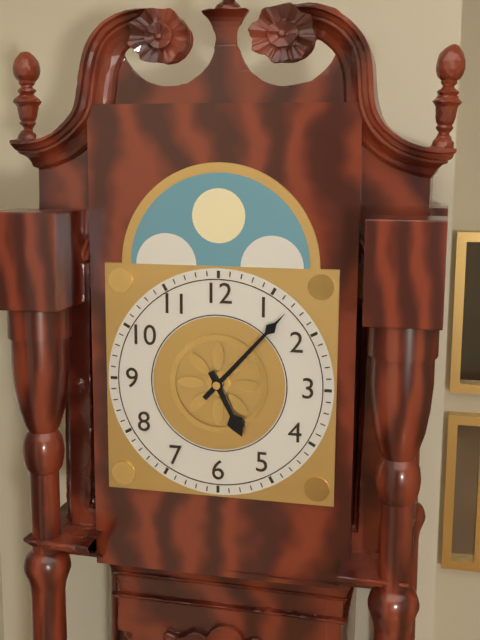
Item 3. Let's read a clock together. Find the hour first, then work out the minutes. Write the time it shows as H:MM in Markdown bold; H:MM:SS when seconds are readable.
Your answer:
**5:07**
